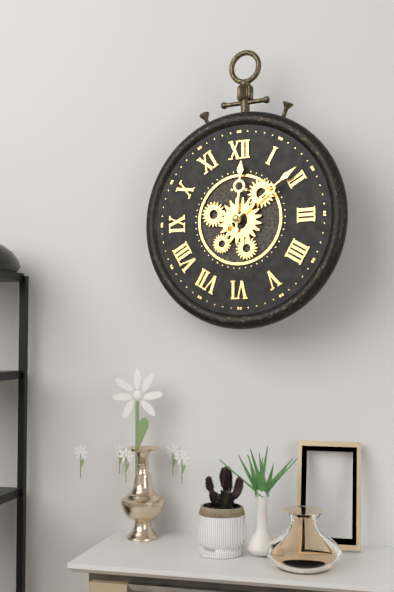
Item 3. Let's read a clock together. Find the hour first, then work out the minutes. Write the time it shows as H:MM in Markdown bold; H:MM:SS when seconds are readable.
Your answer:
**12:09**
